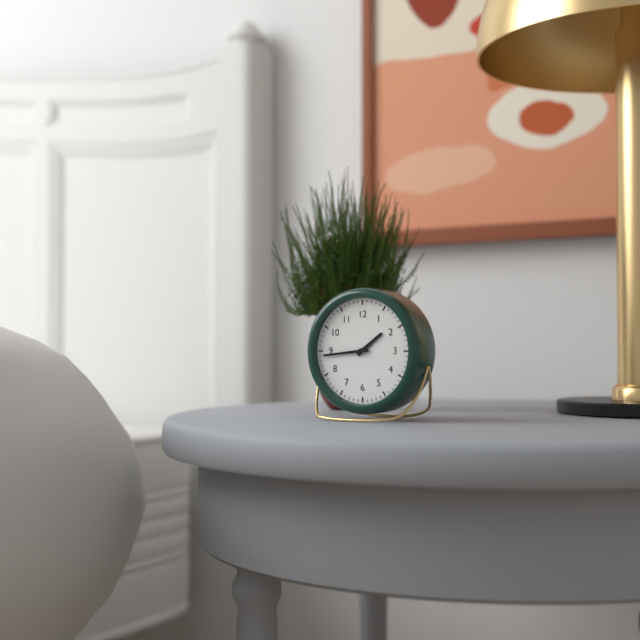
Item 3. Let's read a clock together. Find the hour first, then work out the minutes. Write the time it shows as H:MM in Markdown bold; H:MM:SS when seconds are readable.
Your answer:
**1:44**
